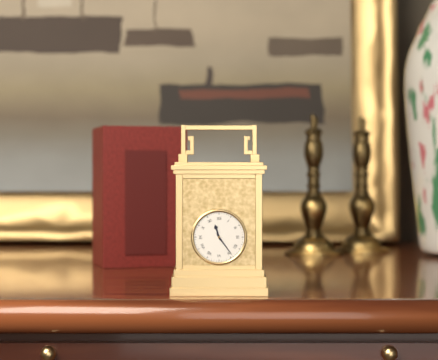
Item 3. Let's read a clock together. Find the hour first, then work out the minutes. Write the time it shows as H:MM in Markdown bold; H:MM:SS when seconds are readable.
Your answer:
**11:24**
